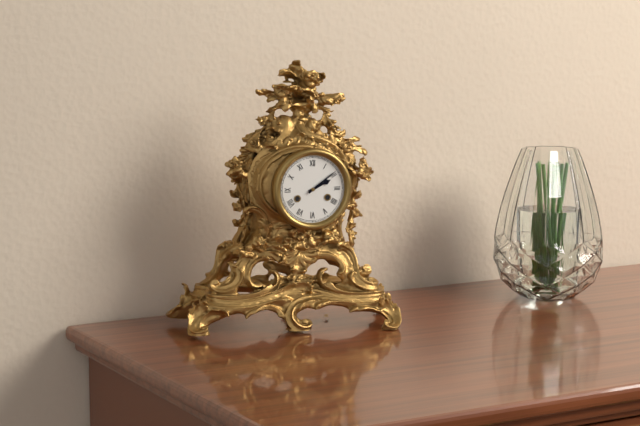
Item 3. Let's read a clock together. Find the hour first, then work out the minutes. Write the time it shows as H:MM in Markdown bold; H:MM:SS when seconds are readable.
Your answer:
**2:09**
